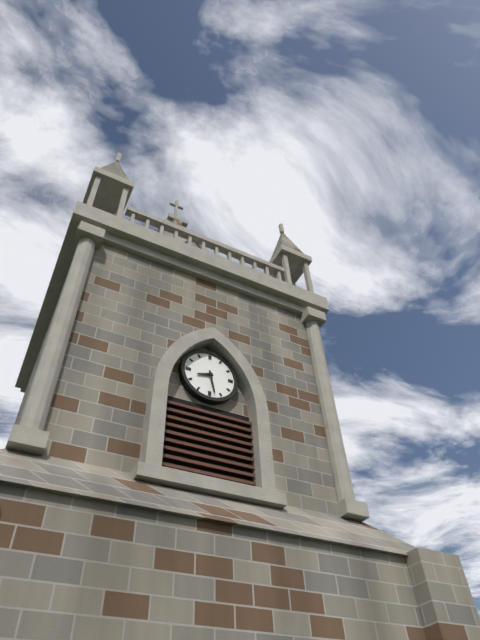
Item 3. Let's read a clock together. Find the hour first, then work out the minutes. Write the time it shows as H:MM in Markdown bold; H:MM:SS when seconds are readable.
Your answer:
**8:28**
